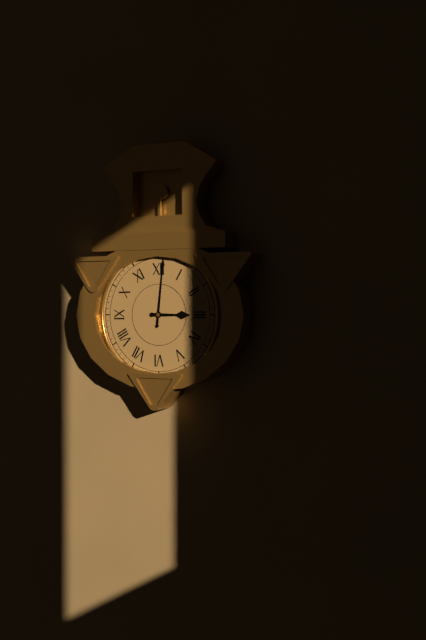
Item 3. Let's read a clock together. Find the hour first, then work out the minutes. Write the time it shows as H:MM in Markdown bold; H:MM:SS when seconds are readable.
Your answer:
**3:01**
